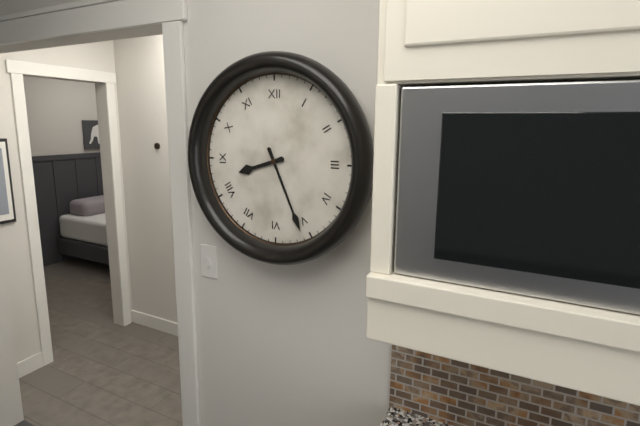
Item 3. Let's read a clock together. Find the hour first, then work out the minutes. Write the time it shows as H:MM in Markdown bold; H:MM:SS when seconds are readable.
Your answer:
**8:26**
